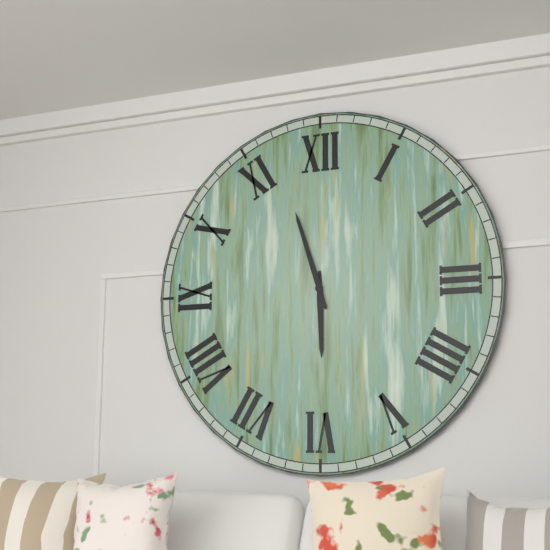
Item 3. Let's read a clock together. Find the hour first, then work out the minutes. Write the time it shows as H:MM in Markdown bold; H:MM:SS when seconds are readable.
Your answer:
**5:57**
